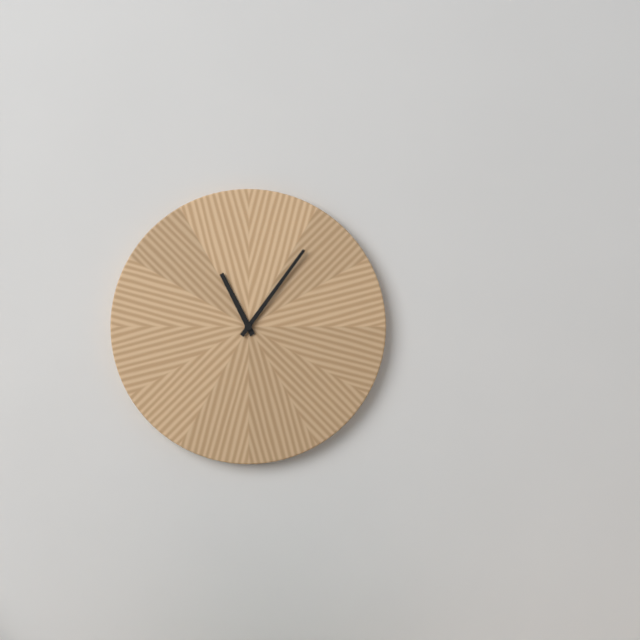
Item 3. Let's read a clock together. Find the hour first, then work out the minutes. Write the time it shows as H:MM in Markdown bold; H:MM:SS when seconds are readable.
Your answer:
**11:06**
